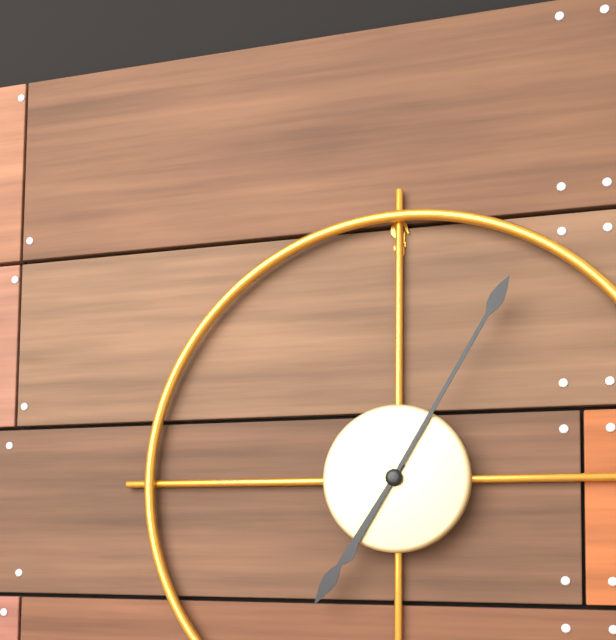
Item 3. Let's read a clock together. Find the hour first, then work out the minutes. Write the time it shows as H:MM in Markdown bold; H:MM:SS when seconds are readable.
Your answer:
**7:05**
